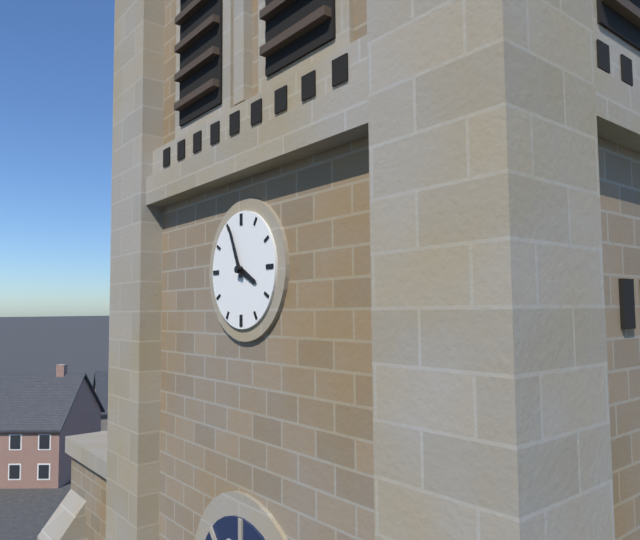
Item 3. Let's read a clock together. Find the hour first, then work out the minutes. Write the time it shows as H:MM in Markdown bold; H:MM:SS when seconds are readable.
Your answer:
**3:56**
